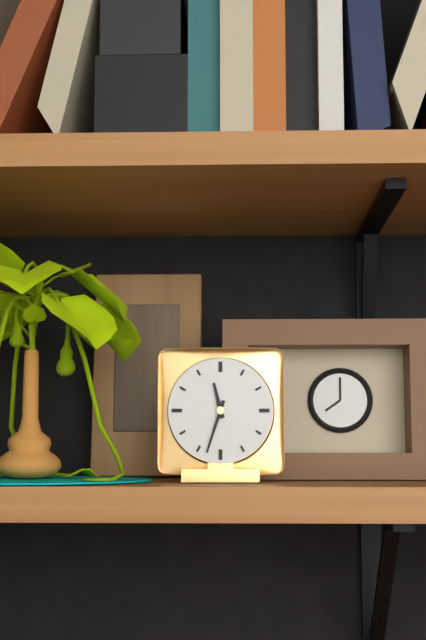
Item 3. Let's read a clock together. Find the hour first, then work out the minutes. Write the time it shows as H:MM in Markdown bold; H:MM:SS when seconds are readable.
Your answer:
**11:33**
